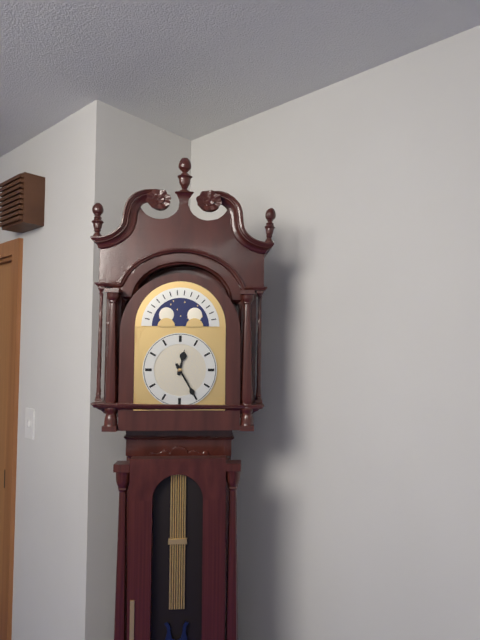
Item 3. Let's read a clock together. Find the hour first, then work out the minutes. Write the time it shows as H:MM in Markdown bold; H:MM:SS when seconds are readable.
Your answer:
**12:25**
